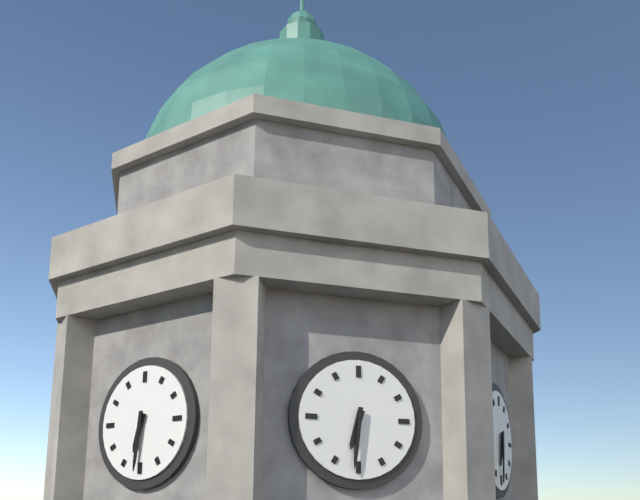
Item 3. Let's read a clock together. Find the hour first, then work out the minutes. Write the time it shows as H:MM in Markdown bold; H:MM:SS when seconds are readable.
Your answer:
**6:31**
